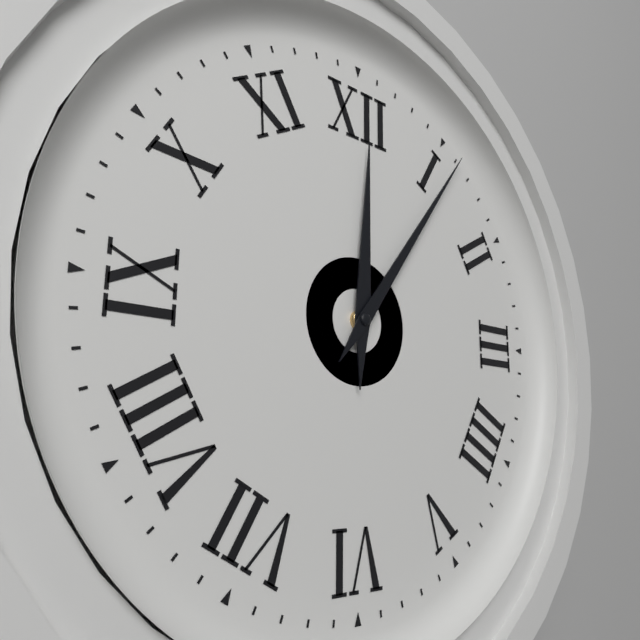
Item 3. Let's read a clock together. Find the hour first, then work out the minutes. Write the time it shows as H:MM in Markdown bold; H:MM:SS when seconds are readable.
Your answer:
**12:06**
